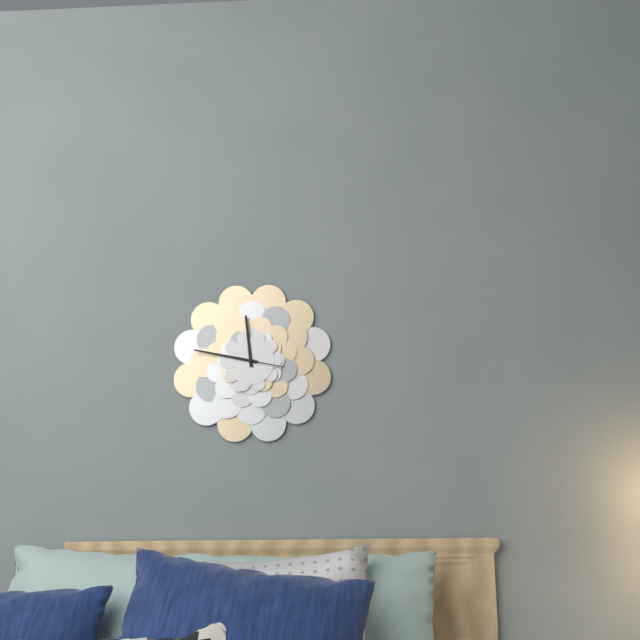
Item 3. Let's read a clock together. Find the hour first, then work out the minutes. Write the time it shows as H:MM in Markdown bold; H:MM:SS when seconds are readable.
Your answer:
**11:47**
